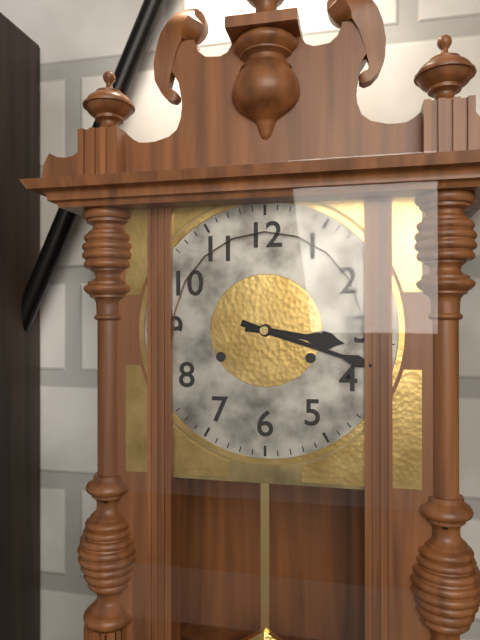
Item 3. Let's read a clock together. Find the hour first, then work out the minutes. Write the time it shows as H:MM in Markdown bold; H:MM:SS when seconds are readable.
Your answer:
**3:18**
